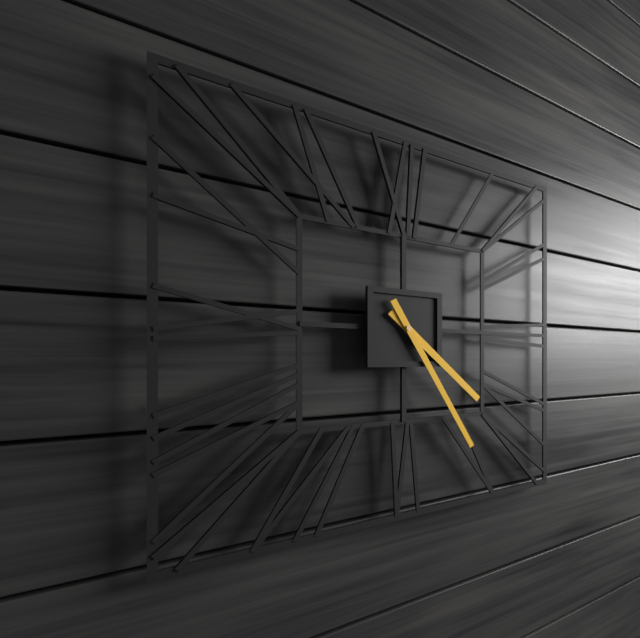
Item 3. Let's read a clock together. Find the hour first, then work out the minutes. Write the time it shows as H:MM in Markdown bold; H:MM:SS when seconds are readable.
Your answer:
**4:25**
